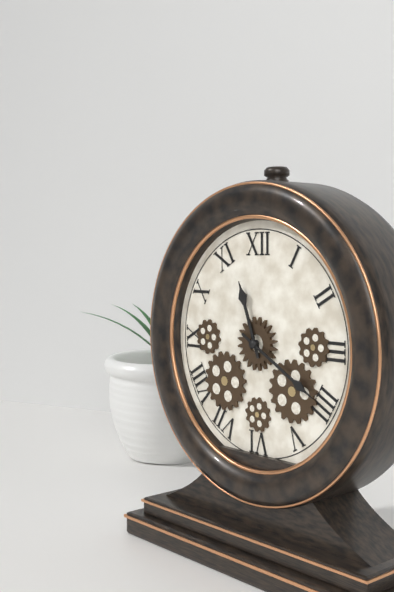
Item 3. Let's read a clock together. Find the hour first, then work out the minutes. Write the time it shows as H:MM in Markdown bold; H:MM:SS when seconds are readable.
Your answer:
**11:20**
